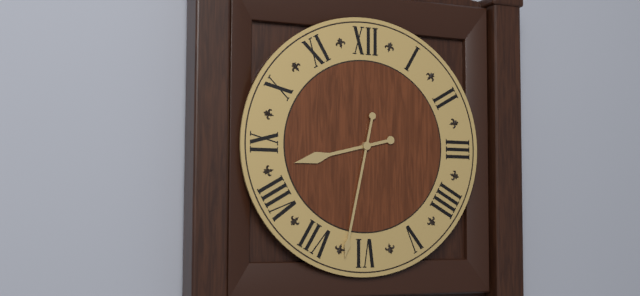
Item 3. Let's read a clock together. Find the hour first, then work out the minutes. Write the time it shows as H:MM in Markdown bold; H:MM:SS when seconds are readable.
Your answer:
**8:32**
